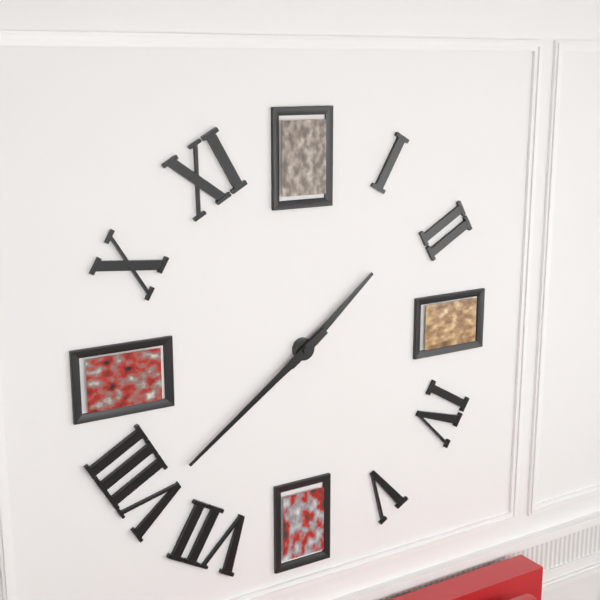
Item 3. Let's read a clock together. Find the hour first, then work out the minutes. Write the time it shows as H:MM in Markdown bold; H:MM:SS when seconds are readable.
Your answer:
**1:39**
